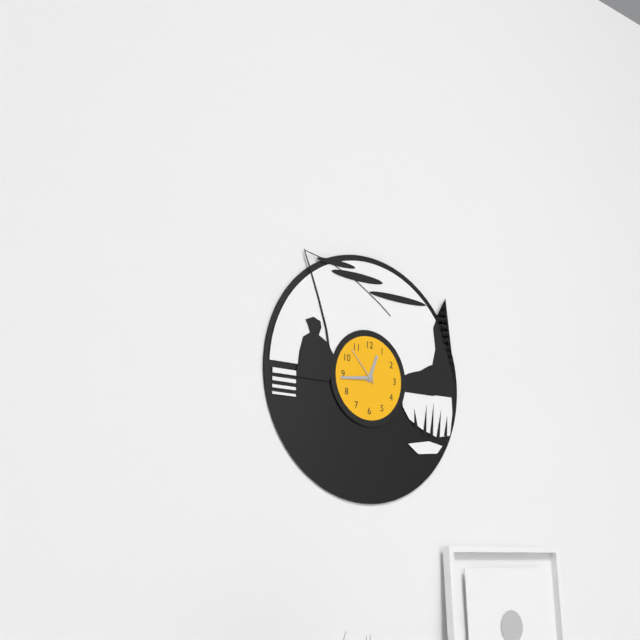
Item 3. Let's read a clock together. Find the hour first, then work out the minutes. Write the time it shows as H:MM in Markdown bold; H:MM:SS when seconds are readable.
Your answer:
**12:44**
